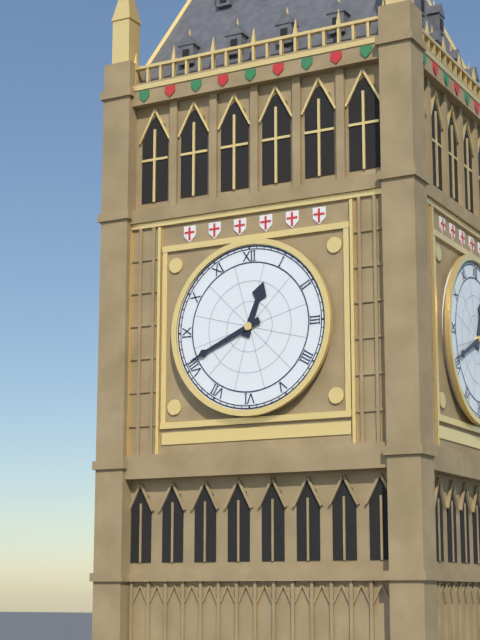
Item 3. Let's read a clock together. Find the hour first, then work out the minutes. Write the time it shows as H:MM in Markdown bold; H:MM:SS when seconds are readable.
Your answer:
**12:41**
